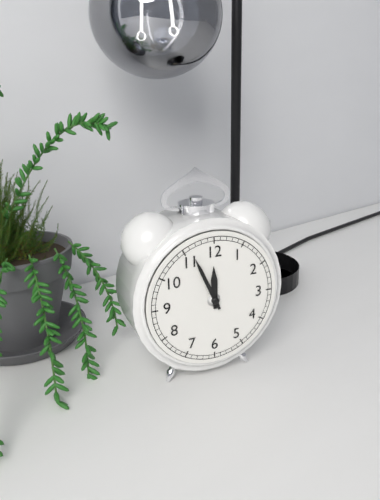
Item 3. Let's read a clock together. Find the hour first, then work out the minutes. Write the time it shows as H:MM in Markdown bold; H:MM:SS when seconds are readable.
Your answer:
**11:56**
